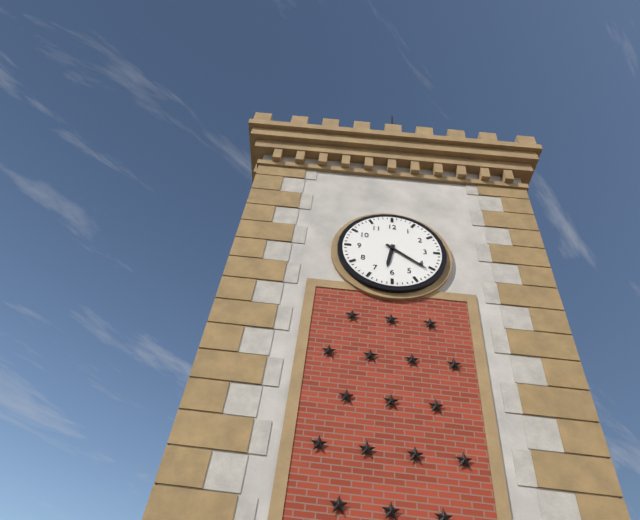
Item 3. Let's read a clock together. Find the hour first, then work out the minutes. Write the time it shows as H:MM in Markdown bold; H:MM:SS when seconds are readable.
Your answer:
**6:21**
